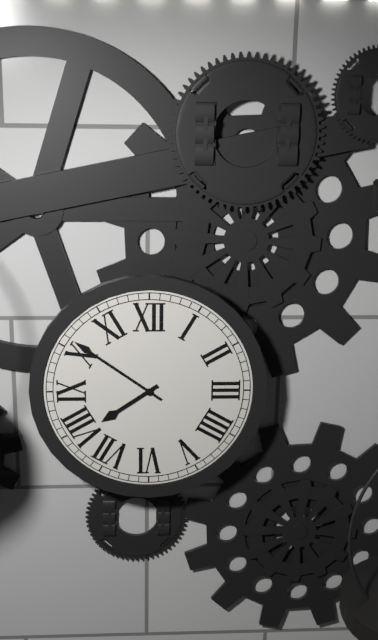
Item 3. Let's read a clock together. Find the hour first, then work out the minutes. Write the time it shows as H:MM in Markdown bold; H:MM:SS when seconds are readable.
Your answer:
**7:51**
